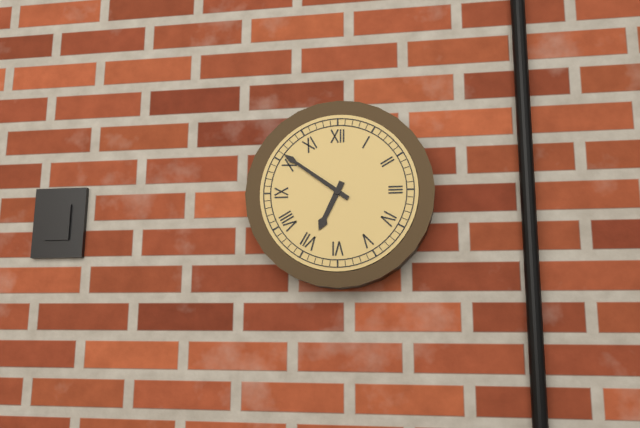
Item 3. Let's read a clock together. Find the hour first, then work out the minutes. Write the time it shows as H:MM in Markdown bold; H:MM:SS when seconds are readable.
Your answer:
**6:51**
